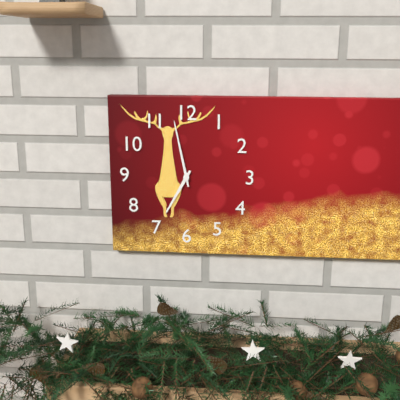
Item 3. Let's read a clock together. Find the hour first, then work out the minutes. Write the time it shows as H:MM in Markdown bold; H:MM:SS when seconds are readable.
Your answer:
**6:58**
